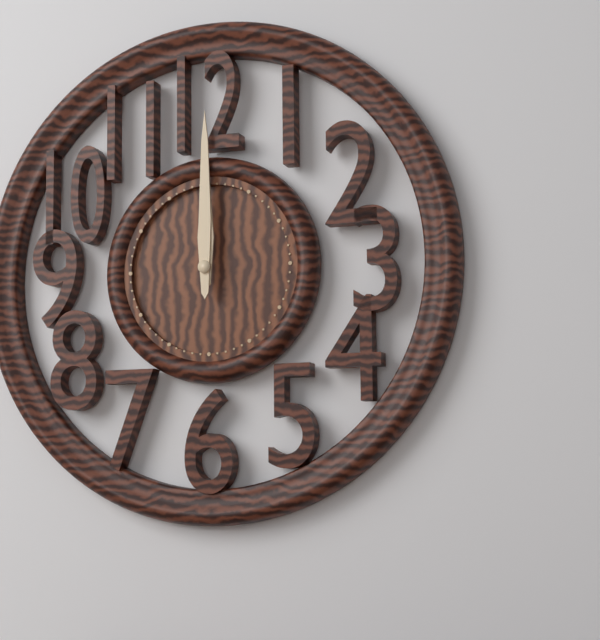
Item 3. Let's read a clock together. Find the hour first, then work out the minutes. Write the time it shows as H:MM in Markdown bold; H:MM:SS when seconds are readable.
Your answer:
**12:00**
